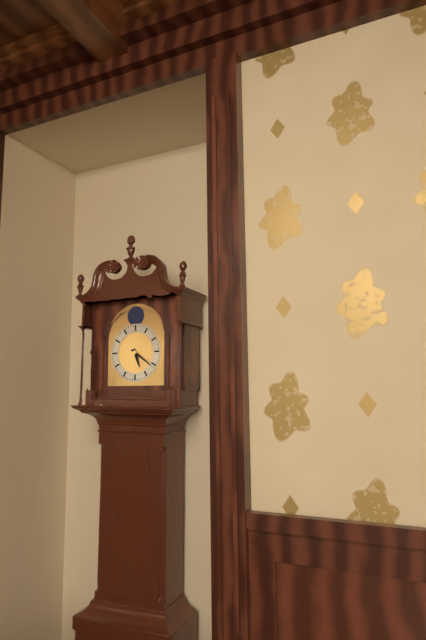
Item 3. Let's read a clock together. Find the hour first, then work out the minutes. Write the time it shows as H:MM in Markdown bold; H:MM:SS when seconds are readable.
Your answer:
**5:21**
